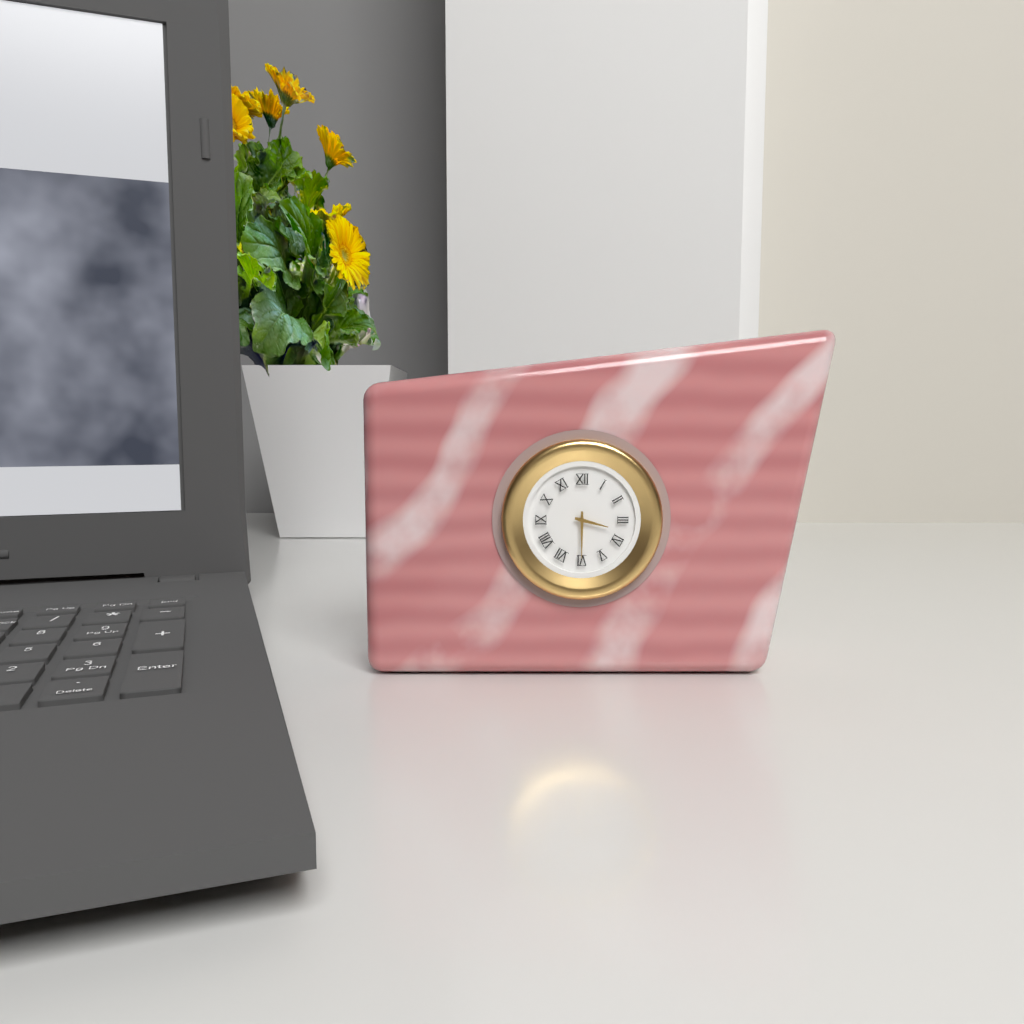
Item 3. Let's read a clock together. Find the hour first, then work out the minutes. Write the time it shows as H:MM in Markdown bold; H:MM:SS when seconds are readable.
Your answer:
**3:30**
